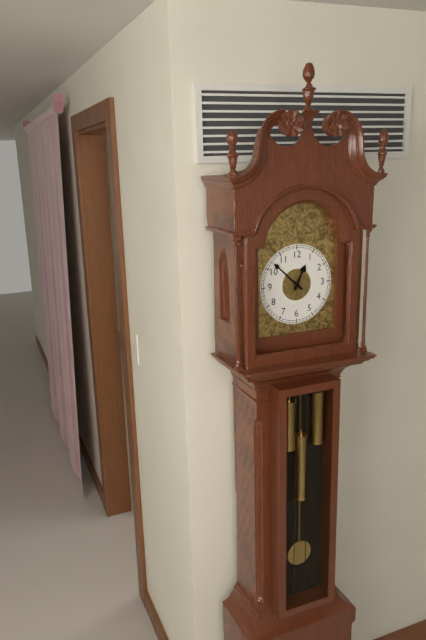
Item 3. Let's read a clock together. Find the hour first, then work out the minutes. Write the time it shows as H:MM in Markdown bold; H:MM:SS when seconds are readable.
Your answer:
**12:52**
